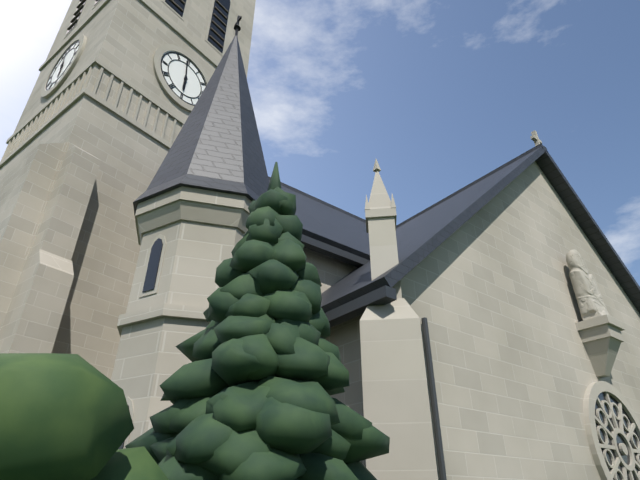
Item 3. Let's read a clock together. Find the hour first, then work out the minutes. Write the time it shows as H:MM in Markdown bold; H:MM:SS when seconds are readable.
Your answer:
**5:59**
